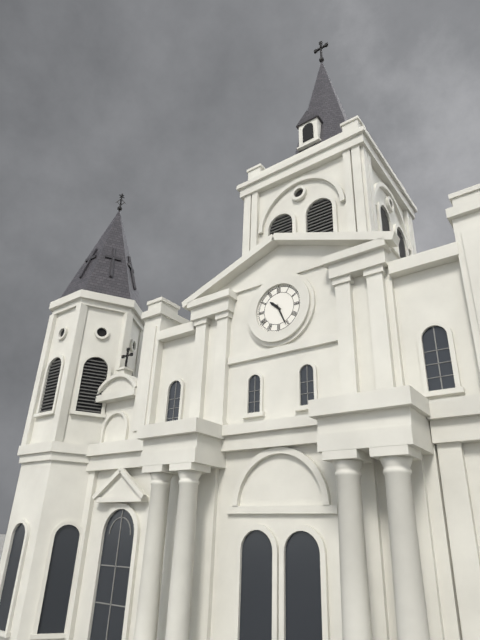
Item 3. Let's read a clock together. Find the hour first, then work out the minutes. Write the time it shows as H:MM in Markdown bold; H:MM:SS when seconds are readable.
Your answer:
**10:26**
